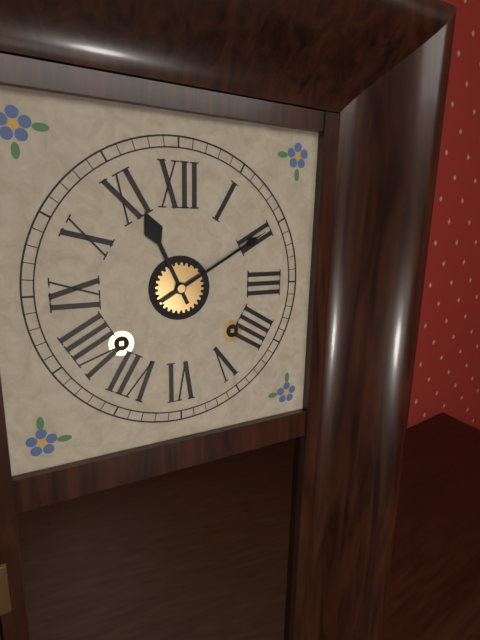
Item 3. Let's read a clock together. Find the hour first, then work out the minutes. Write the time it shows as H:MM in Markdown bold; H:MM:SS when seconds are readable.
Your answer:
**11:10**
